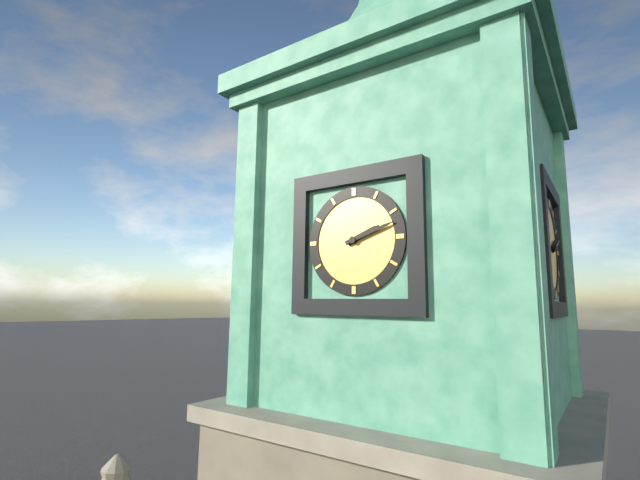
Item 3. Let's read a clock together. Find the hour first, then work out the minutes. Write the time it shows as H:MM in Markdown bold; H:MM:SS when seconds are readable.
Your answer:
**2:12**
